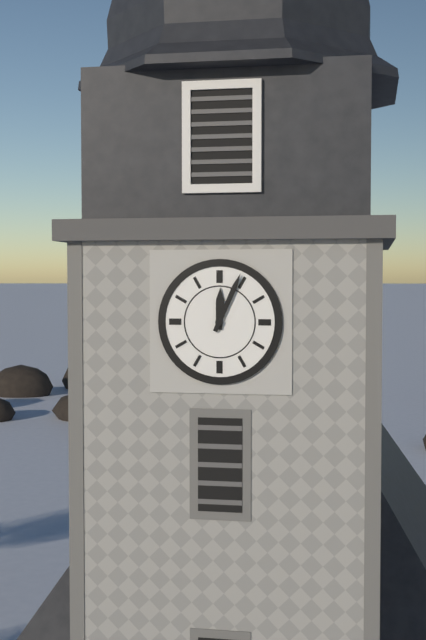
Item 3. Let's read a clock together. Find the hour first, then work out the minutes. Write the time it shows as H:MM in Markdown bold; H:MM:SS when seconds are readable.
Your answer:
**12:04**
